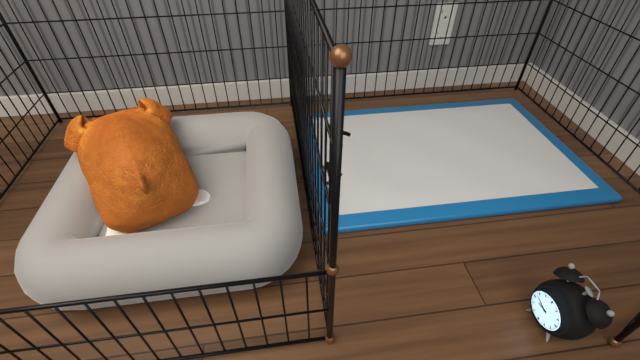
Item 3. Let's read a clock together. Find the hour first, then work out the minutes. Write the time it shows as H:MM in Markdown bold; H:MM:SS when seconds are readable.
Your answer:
**8:48**
